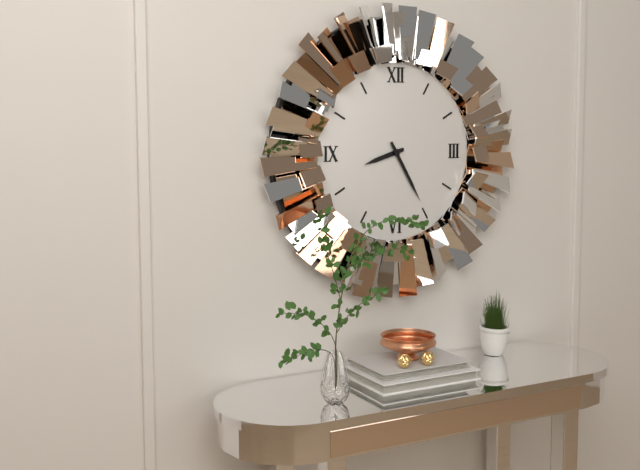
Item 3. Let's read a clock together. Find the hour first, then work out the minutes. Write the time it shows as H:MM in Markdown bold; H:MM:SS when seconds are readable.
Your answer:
**8:25**
